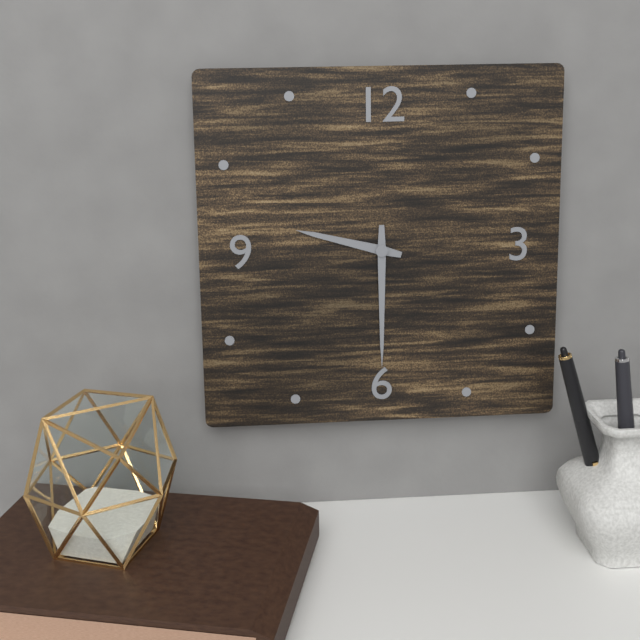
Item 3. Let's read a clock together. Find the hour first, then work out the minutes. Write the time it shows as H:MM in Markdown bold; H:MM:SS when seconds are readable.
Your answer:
**9:30**
